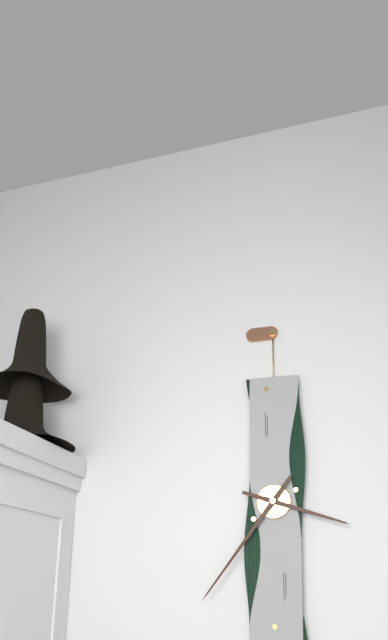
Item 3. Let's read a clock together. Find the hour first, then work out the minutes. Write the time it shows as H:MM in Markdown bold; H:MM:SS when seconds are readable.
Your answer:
**3:36**
